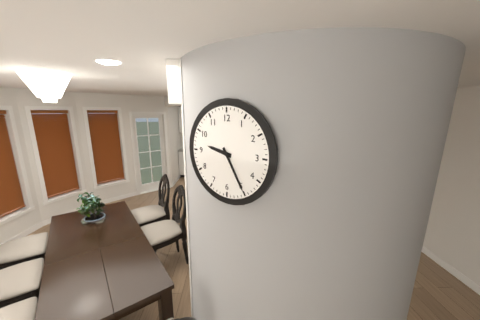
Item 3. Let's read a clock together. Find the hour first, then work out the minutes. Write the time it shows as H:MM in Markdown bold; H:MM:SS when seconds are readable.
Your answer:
**9:25**
